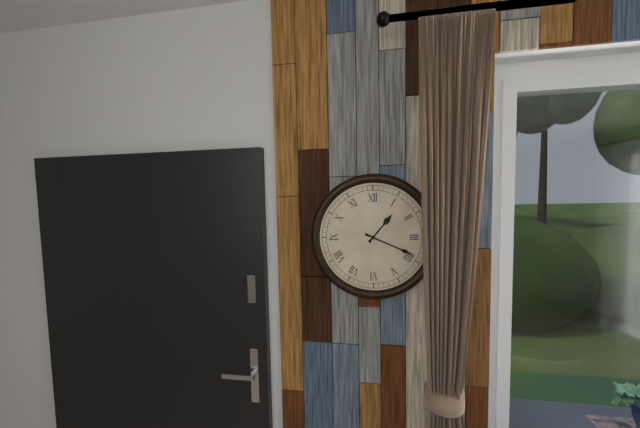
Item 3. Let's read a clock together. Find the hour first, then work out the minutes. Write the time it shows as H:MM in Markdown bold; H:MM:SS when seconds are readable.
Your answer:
**1:19**
